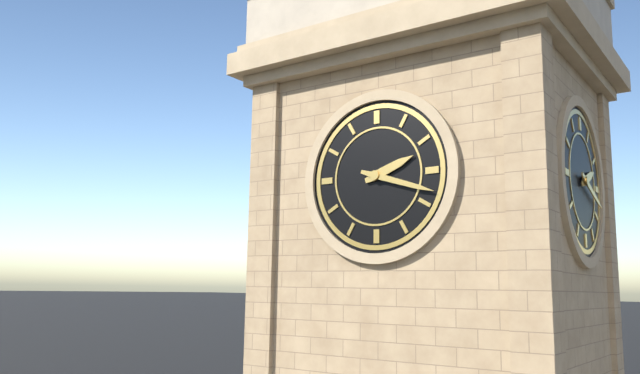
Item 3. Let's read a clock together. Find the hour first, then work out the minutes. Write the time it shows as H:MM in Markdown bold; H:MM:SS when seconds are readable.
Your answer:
**2:18**
